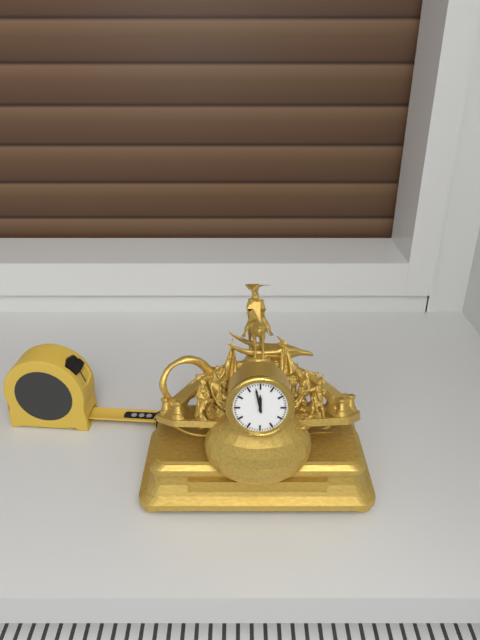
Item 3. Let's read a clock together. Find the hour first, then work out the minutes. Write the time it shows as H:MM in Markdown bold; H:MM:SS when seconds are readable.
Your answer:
**11:58**
